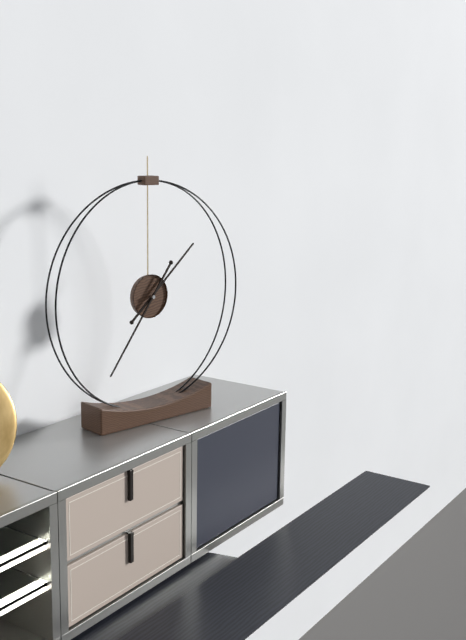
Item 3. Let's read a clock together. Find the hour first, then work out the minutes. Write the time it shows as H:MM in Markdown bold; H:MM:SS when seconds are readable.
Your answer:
**1:36**
